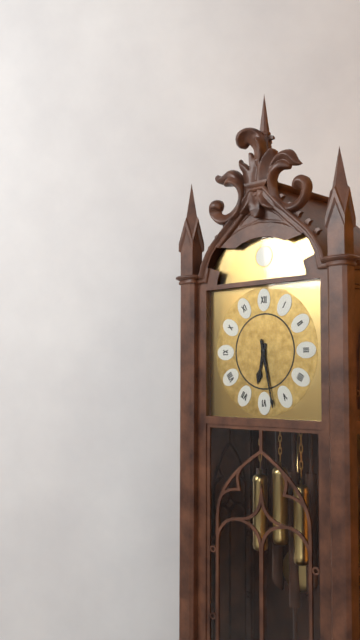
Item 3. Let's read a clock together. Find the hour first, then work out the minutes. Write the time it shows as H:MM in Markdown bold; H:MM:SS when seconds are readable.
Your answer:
**6:28**
